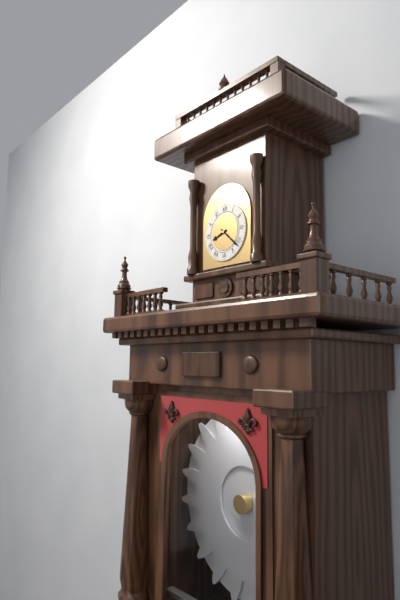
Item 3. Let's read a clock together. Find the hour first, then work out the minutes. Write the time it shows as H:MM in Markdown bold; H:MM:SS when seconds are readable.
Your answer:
**8:22**
